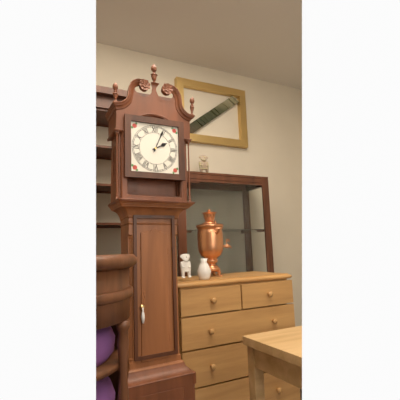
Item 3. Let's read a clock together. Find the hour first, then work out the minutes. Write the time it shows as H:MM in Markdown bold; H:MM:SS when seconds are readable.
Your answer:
**2:04**
